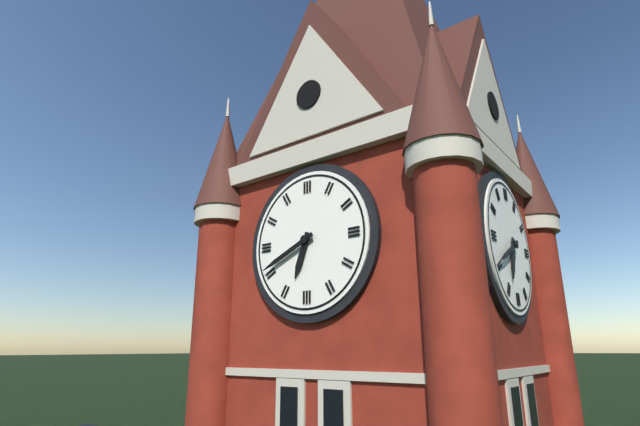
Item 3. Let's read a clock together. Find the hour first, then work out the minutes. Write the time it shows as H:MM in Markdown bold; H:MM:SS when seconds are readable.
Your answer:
**6:41**
